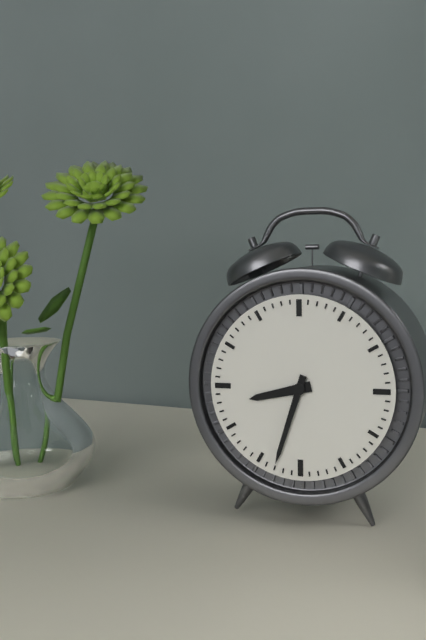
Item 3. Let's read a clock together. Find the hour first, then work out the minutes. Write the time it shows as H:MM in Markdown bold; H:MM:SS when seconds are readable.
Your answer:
**8:33**
